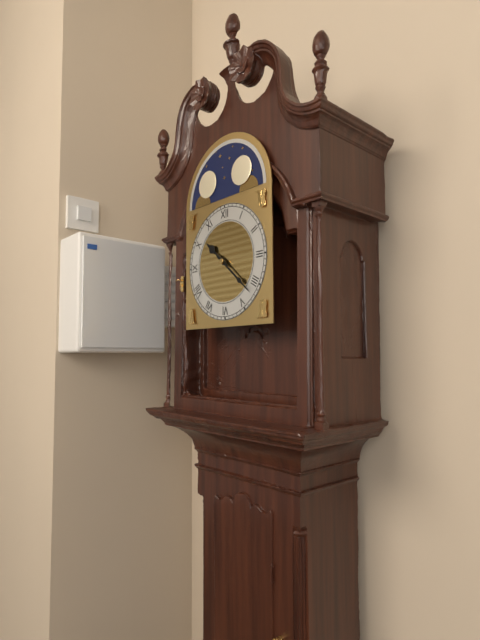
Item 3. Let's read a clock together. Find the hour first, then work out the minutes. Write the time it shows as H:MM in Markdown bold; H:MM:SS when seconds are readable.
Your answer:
**10:22**
